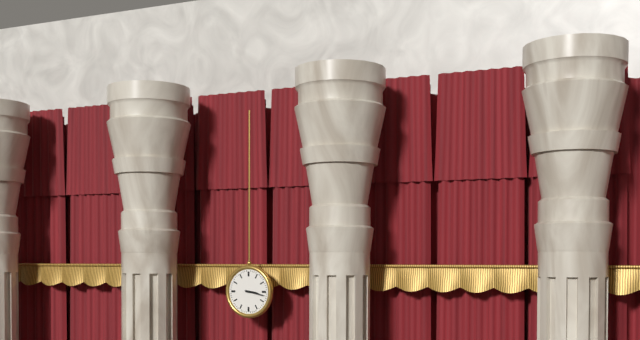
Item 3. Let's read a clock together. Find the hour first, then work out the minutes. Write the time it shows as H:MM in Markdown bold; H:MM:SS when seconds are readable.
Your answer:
**3:17**
